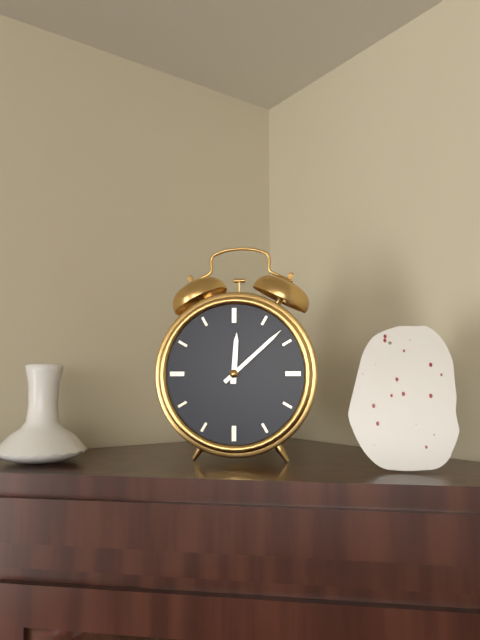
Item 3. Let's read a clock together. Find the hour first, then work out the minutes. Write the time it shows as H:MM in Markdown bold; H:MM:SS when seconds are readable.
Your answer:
**12:08**
